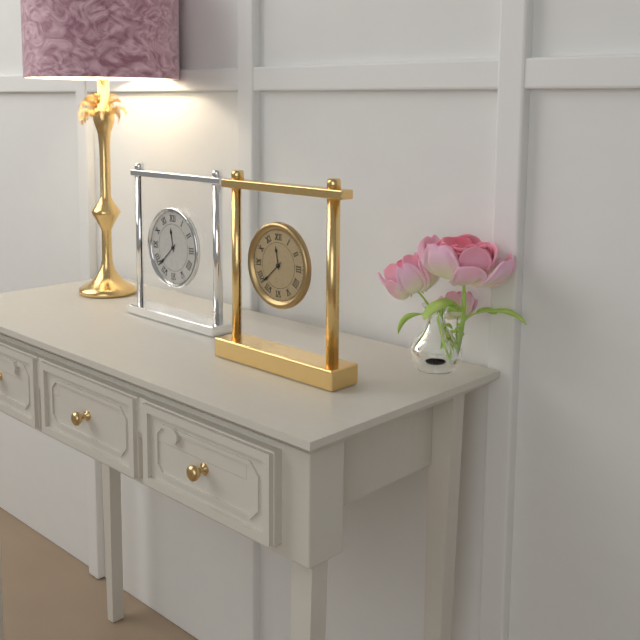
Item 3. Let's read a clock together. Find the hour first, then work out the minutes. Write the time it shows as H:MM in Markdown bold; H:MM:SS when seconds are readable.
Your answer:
**11:38**
